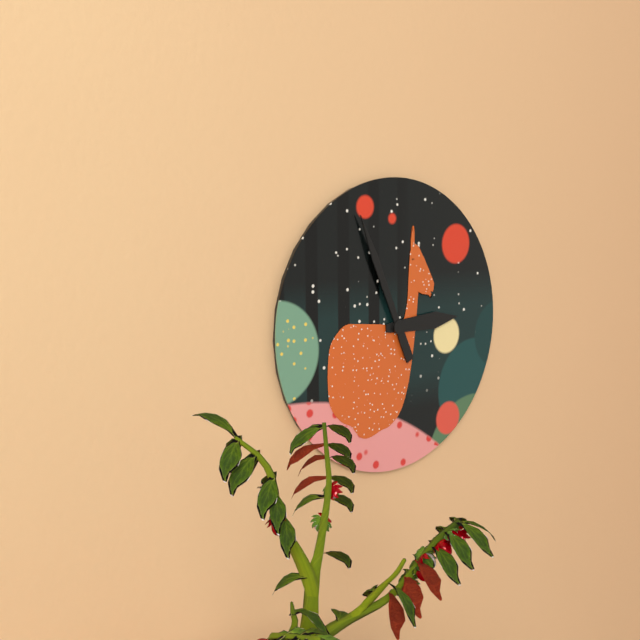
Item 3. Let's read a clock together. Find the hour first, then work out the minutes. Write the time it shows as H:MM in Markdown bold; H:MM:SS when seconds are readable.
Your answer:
**2:56**
